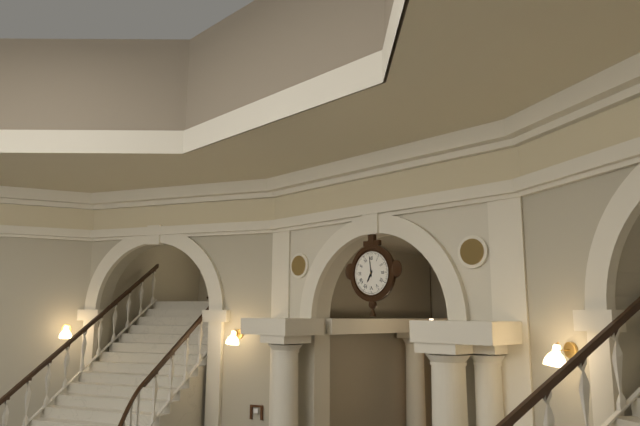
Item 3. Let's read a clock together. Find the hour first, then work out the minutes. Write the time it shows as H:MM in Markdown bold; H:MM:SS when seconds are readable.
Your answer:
**6:59**
